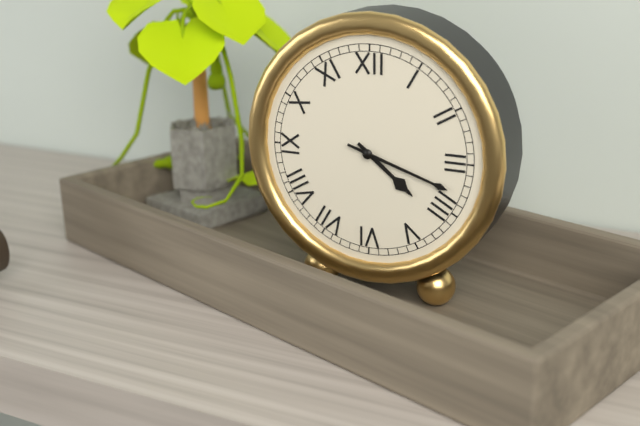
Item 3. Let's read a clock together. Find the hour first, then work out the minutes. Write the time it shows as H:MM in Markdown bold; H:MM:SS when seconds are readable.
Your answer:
**4:18**
